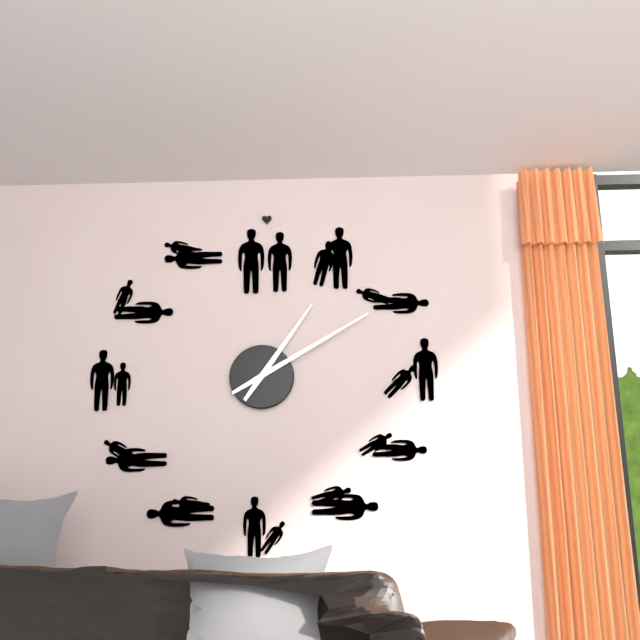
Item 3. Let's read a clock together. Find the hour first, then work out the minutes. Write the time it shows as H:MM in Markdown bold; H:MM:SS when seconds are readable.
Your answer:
**1:10**
